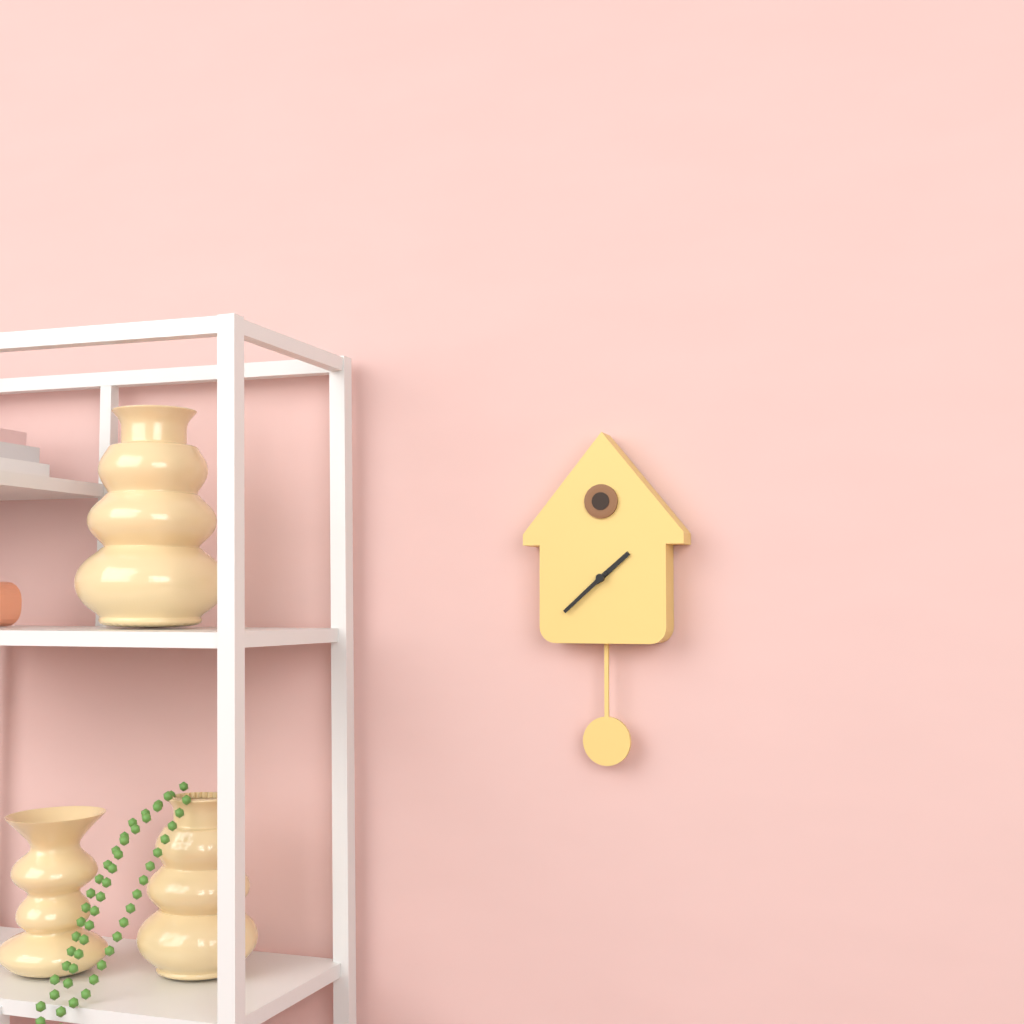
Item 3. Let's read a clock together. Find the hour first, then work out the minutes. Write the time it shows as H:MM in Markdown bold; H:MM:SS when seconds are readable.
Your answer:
**1:38**
